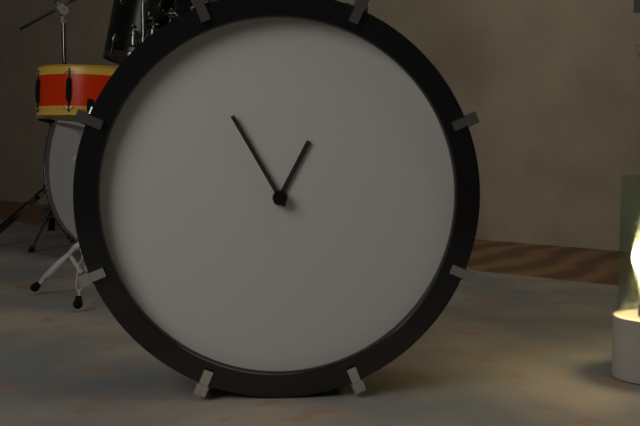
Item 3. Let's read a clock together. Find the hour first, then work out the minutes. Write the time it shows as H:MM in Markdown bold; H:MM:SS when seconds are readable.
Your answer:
**12:55**
